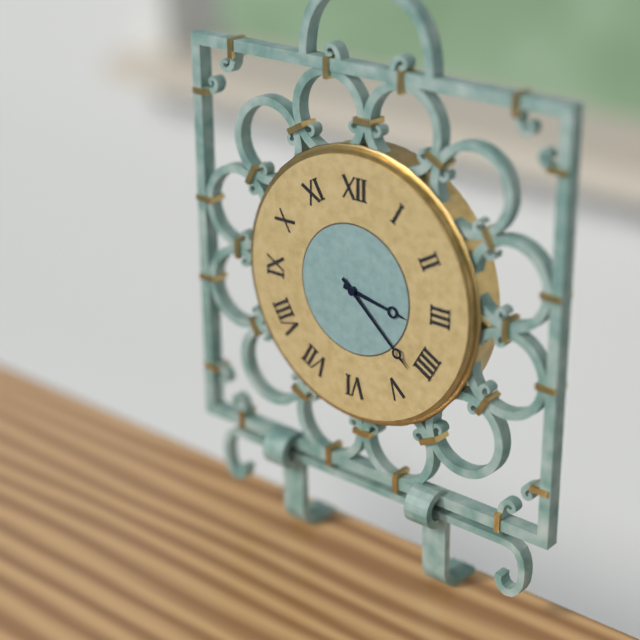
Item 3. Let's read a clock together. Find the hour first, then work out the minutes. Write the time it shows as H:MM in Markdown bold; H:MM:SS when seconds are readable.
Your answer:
**3:22**
